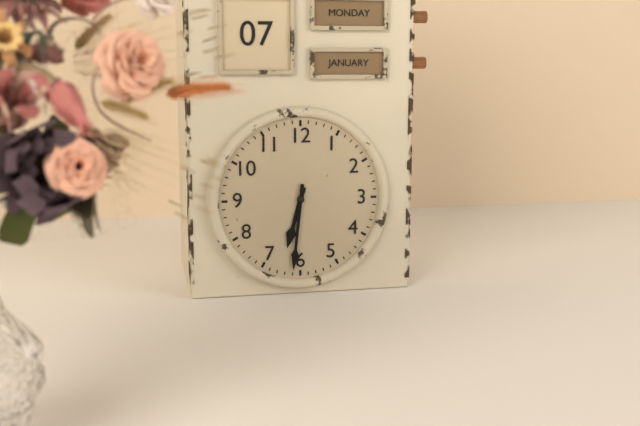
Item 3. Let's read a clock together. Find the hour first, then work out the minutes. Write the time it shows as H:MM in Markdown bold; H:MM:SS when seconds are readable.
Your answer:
**6:31**
